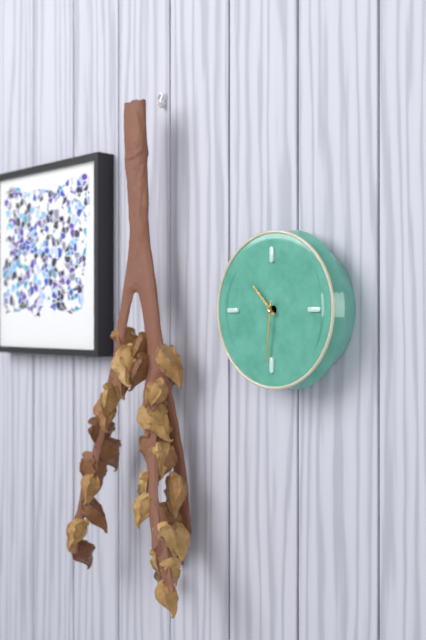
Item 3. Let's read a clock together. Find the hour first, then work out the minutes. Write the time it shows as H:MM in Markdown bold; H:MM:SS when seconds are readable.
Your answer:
**10:31**
